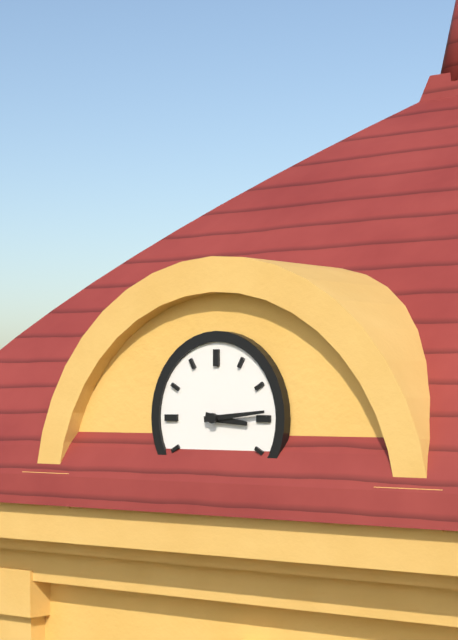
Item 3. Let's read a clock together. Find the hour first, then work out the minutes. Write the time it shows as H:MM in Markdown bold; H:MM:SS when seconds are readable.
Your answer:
**3:14**
